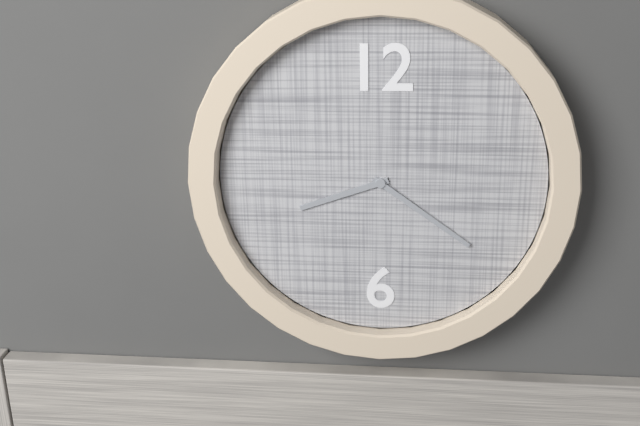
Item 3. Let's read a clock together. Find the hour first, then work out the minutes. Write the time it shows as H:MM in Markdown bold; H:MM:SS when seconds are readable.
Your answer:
**8:21**
